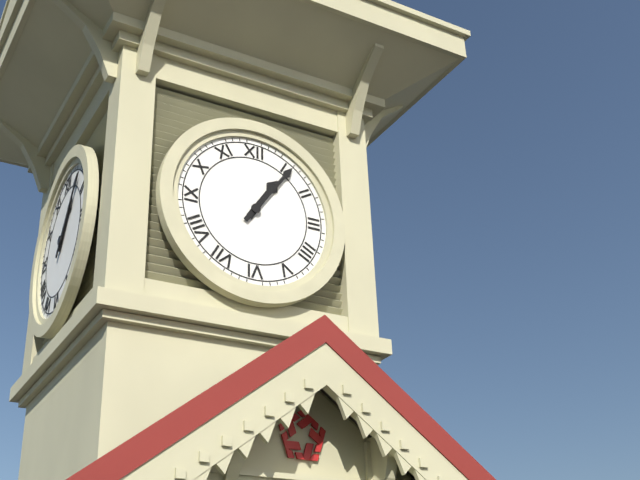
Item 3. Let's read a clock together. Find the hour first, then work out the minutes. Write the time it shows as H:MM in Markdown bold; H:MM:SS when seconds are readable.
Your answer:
**1:06**
